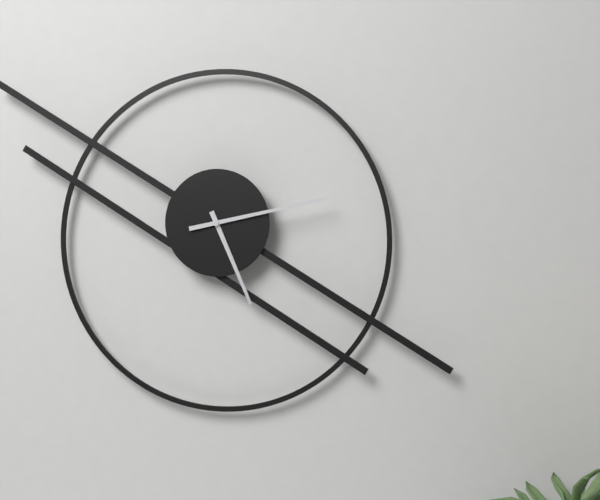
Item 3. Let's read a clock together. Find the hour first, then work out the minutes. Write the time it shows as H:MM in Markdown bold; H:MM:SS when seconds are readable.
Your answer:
**5:13**
